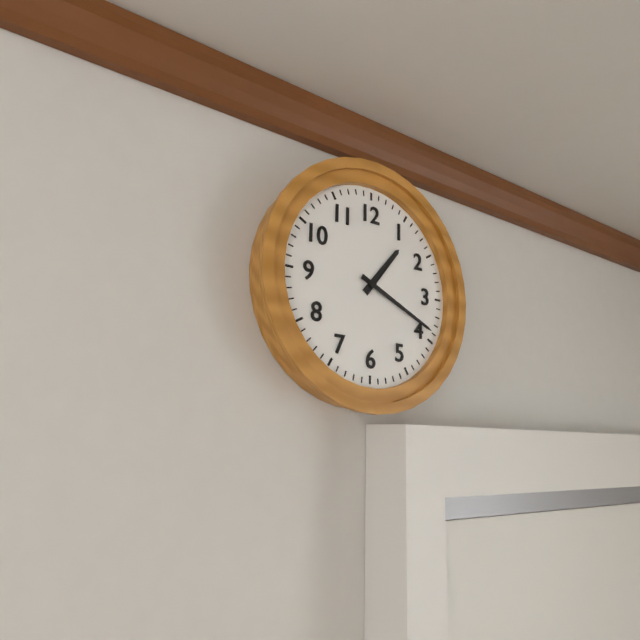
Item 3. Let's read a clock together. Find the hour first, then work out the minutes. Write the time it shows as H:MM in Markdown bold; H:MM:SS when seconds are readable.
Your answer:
**1:19**
